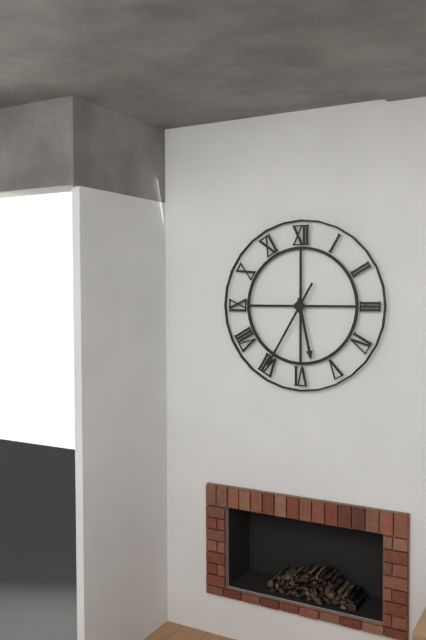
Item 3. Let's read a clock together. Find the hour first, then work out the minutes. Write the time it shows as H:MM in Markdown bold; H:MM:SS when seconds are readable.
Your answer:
**5:35**
